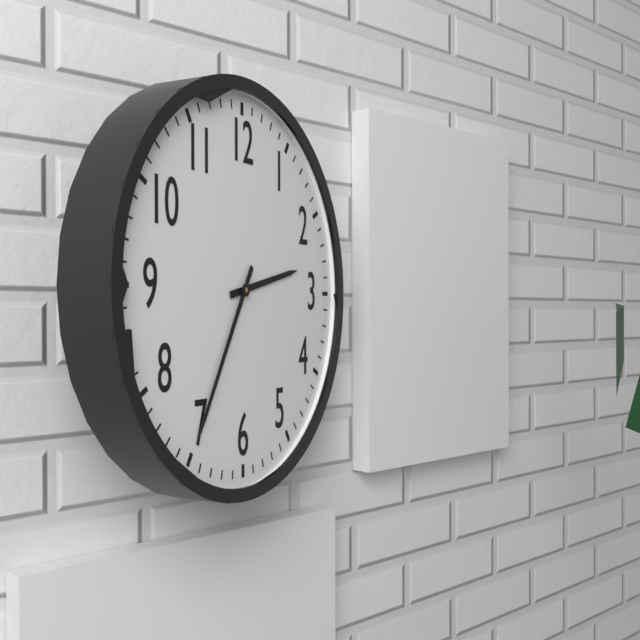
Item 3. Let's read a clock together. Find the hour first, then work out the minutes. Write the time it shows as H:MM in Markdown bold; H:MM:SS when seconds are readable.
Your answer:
**2:35**
